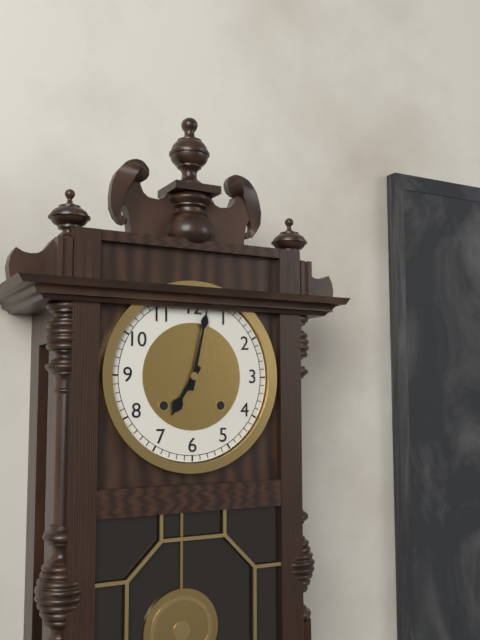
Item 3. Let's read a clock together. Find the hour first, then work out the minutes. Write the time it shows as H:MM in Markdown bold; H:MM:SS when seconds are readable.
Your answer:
**7:02**
